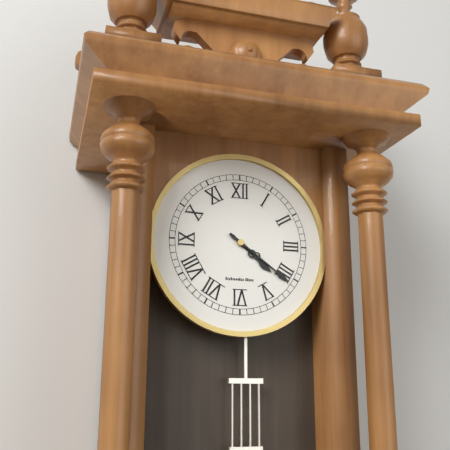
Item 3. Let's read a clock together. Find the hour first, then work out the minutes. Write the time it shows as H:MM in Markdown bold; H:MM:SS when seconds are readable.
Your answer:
**4:21**
